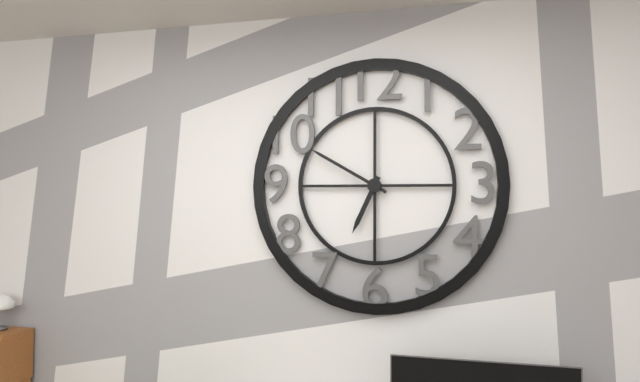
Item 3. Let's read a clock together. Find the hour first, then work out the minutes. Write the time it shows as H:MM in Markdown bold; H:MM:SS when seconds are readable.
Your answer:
**6:50**
